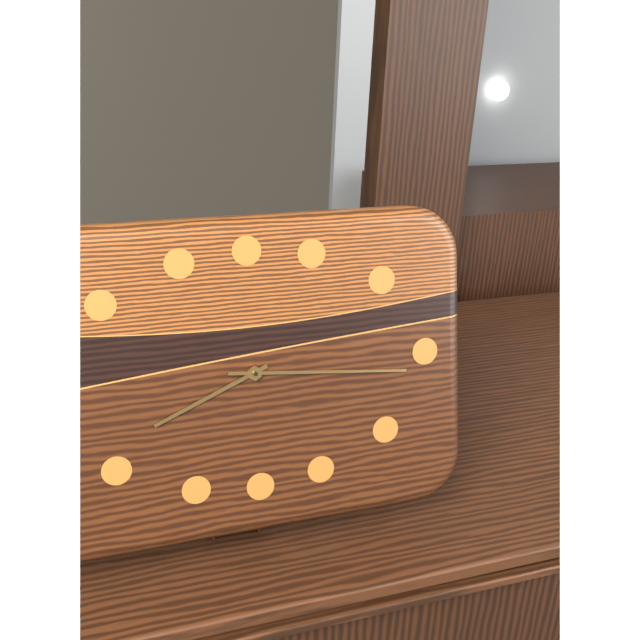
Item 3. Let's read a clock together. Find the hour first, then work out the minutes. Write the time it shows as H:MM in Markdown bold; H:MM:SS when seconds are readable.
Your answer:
**8:16**
